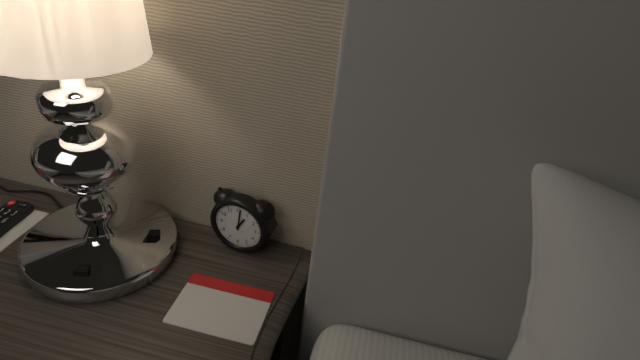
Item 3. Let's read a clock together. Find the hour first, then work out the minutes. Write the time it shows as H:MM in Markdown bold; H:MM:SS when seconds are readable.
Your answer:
**1:01**
